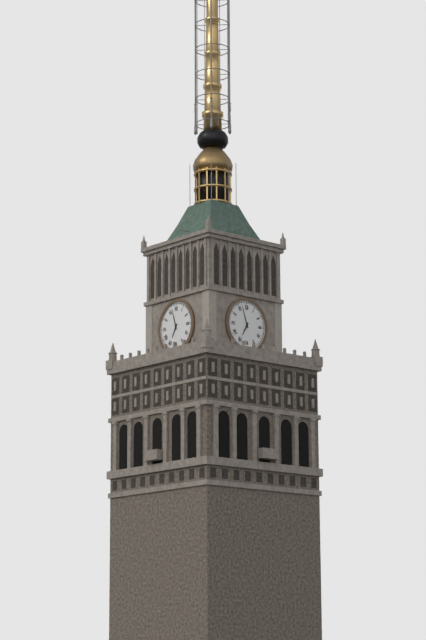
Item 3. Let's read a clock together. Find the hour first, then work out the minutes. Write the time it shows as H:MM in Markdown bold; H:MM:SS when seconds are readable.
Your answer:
**6:57**
